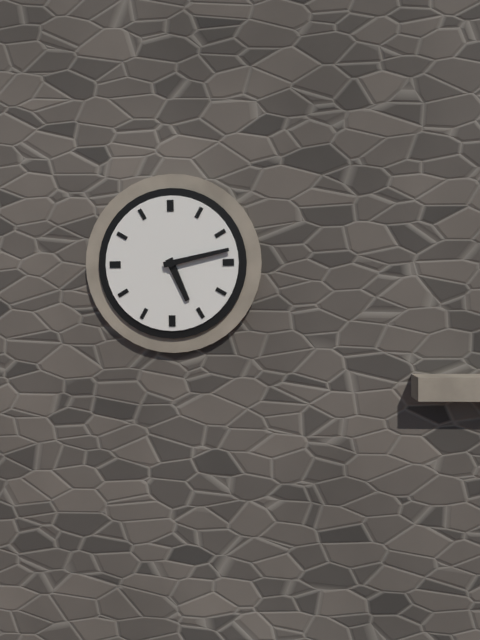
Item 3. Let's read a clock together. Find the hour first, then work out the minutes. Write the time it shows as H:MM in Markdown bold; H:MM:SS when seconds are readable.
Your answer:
**5:13**
